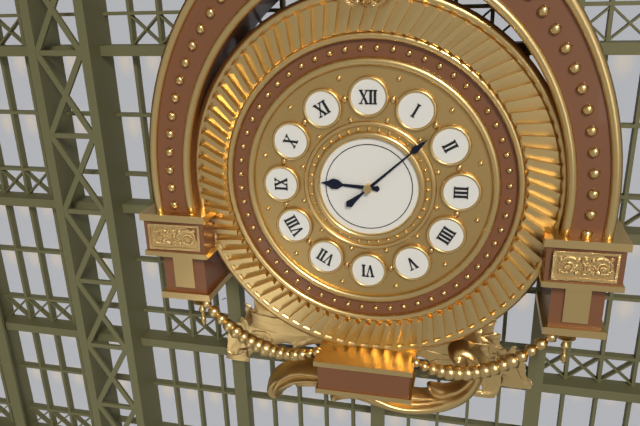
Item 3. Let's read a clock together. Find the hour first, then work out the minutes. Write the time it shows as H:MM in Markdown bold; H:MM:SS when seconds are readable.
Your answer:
**9:08**
